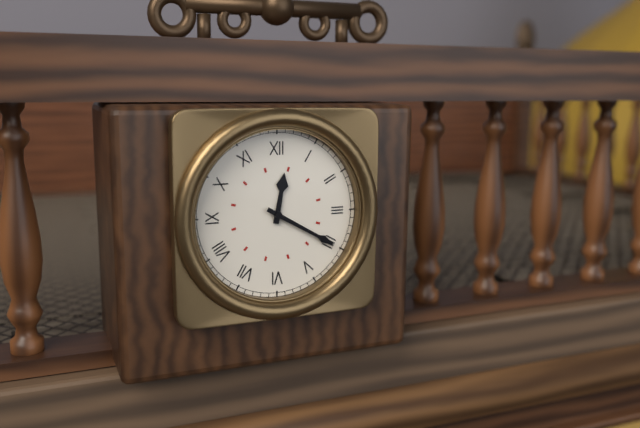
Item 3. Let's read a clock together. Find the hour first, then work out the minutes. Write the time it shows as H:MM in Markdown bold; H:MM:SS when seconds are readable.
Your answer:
**12:20**
